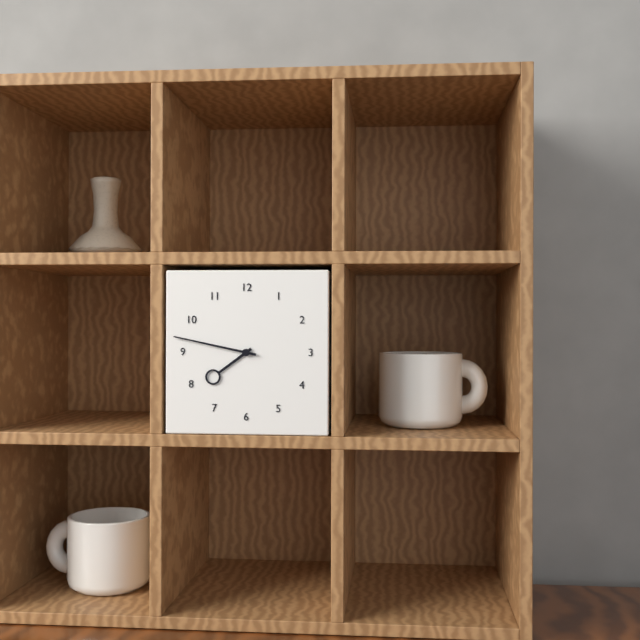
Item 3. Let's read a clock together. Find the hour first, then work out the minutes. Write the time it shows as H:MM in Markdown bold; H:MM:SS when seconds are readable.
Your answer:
**7:47**
